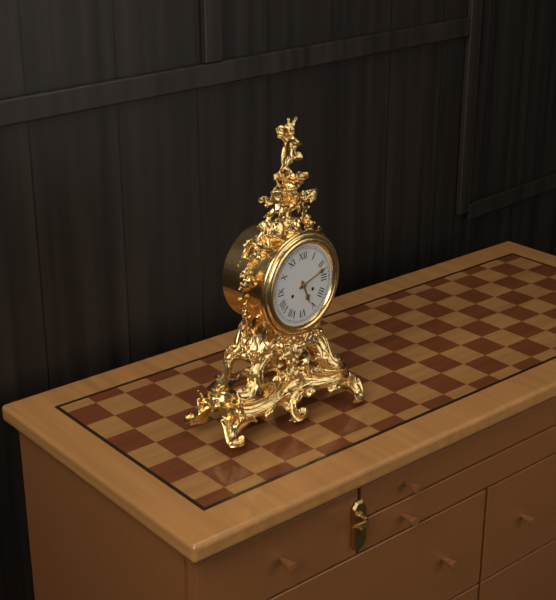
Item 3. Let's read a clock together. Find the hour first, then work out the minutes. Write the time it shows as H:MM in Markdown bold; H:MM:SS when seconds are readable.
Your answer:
**5:12**
